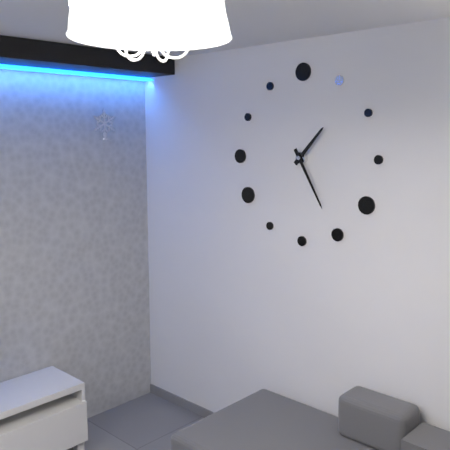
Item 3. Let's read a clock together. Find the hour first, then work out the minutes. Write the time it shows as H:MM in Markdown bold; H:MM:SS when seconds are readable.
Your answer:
**1:25**
